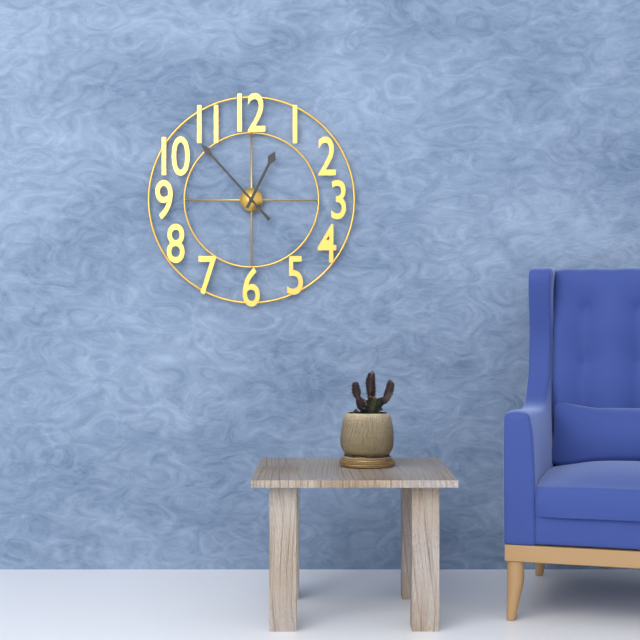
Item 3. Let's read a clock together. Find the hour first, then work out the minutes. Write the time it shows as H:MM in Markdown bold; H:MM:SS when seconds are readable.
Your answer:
**12:53**
